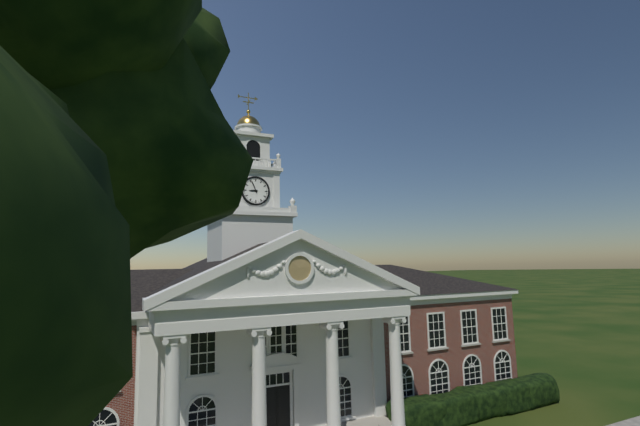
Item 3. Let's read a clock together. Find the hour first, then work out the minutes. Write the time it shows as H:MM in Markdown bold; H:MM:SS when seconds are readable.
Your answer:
**8:56**
